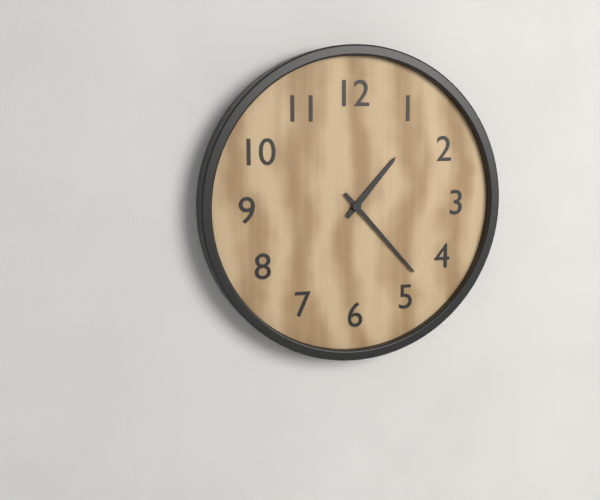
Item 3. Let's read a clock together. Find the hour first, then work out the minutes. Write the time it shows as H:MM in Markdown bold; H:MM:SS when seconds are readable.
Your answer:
**1:23**
